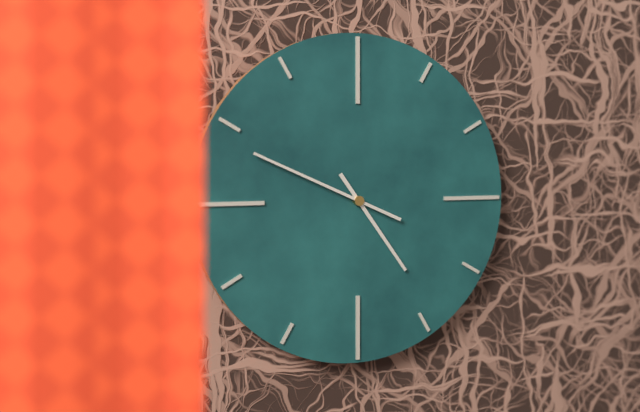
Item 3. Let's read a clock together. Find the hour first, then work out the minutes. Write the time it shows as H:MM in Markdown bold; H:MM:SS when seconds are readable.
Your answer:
**4:49**
